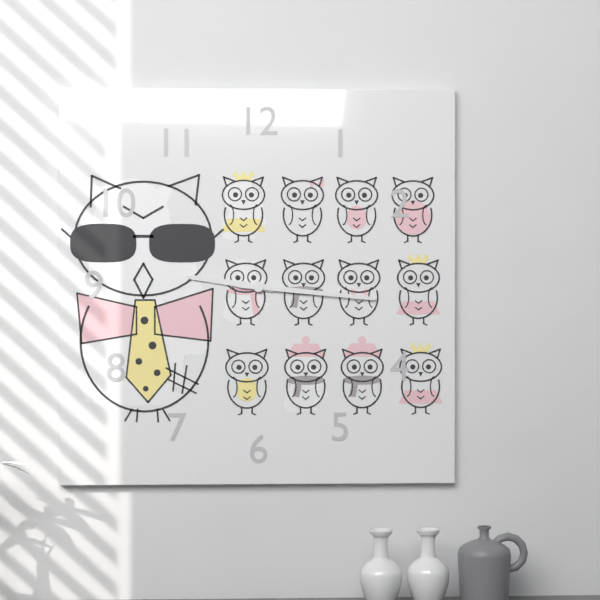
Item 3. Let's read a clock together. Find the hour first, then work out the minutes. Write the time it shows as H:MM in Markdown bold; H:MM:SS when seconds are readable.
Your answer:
**9:16**
